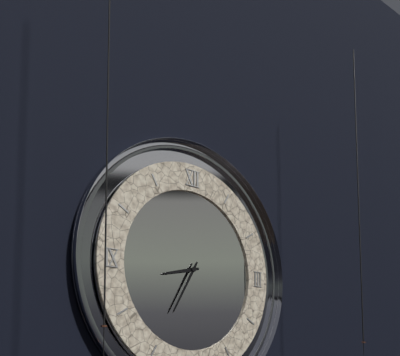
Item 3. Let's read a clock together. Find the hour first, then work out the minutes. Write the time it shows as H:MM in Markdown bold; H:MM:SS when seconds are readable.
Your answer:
**8:35**
